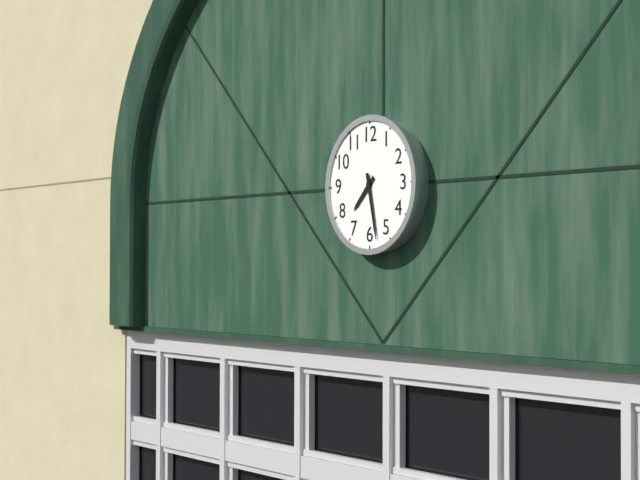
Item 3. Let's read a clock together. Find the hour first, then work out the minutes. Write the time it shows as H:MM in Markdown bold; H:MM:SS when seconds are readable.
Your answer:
**7:28**
